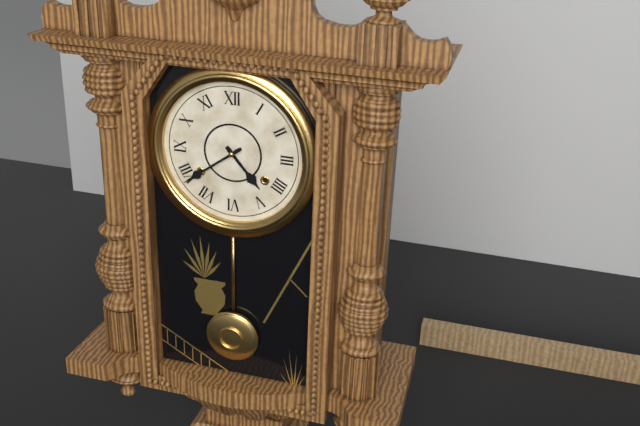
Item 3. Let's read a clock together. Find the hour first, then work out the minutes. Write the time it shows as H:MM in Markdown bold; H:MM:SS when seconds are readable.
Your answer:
**4:39**
